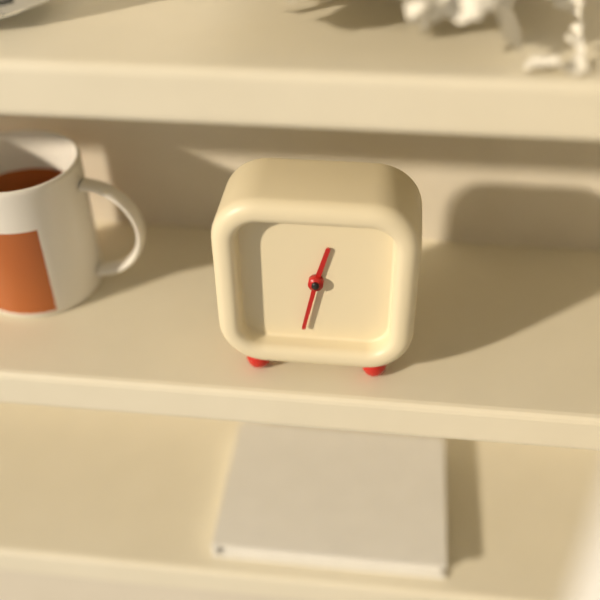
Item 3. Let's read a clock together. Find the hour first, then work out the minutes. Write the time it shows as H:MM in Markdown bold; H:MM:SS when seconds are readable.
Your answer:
**12:32**
